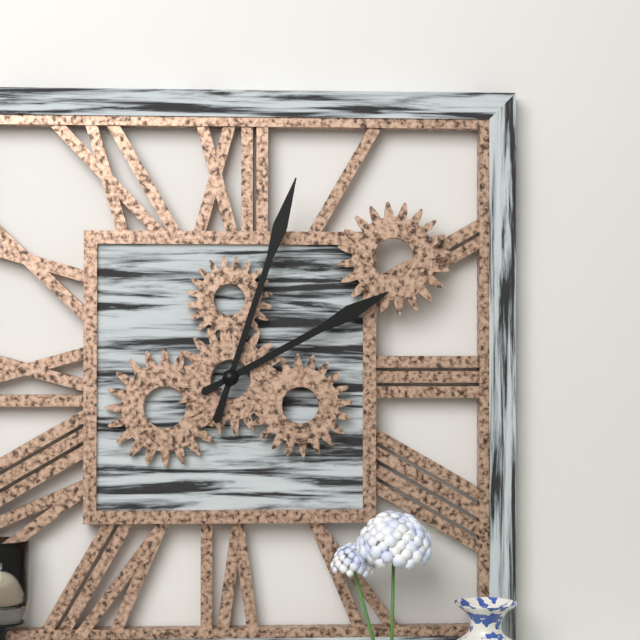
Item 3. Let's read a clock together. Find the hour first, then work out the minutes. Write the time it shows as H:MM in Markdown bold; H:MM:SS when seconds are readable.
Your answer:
**2:03**
